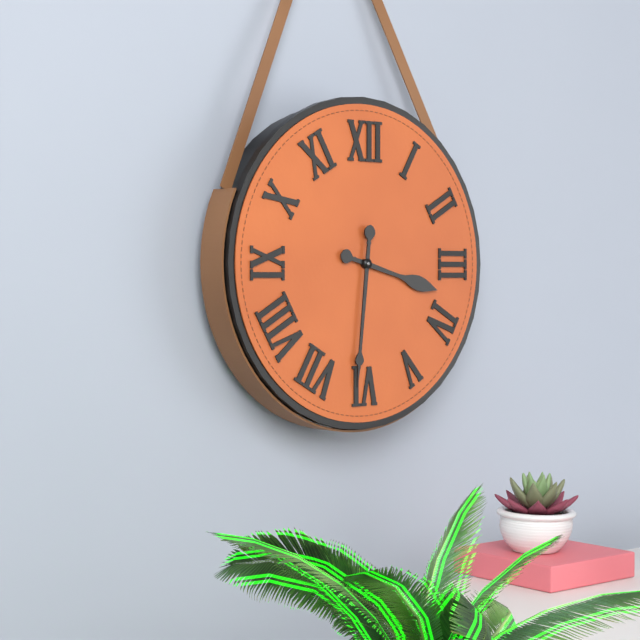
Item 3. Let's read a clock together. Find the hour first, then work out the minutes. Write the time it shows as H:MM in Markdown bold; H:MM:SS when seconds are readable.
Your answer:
**3:31**
